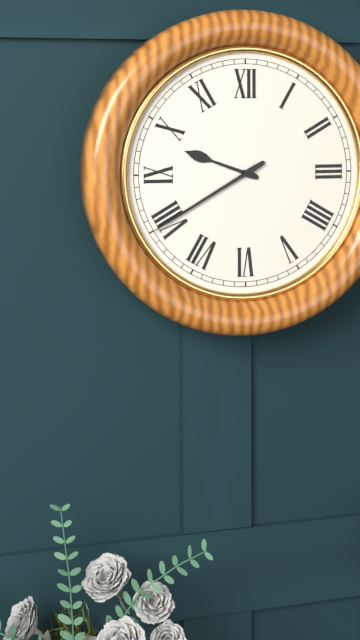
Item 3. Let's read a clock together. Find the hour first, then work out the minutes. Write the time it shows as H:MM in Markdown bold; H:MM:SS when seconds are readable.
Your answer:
**9:40**
